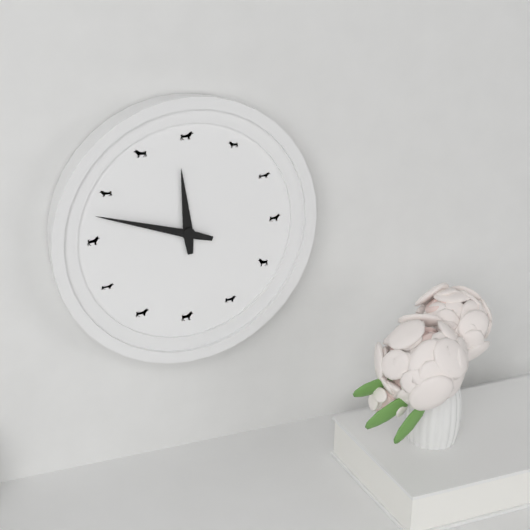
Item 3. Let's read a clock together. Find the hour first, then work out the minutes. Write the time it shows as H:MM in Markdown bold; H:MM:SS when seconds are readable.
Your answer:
**11:48**
